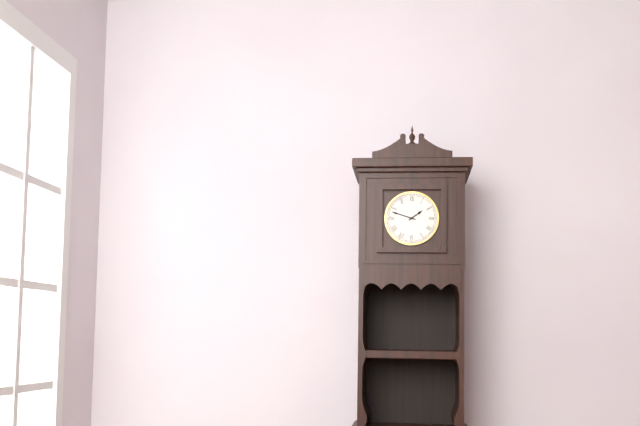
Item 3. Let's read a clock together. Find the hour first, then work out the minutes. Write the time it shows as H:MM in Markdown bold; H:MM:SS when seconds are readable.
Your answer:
**1:48**
